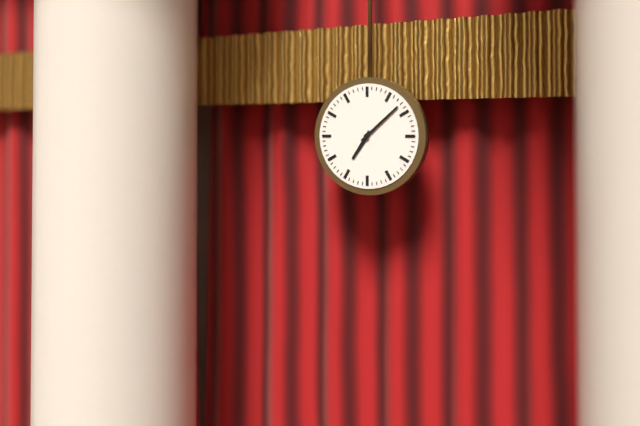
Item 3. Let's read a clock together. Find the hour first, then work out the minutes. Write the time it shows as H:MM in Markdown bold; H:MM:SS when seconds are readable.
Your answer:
**7:08**
